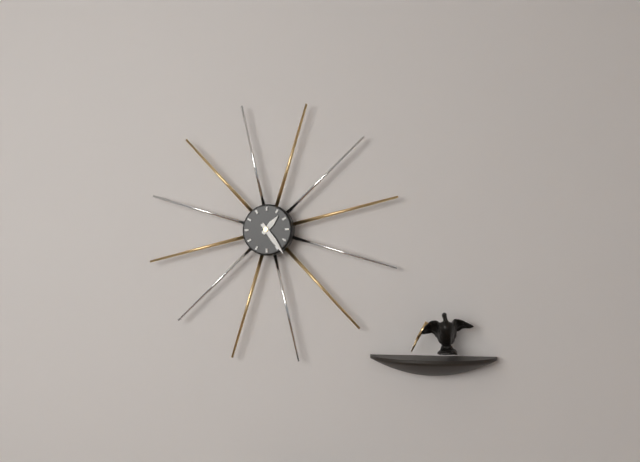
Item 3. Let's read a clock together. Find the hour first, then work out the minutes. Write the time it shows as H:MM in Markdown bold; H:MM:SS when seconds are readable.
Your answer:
**1:24**
